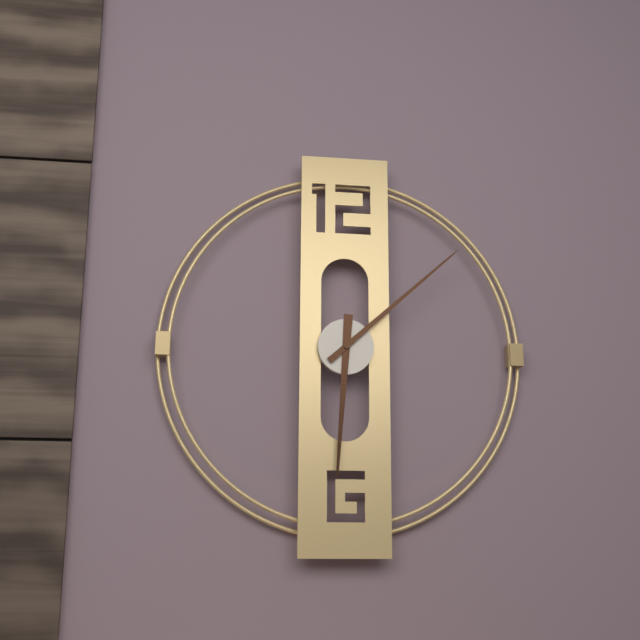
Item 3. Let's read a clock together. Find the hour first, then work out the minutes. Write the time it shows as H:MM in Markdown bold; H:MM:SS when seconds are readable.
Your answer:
**6:08**
